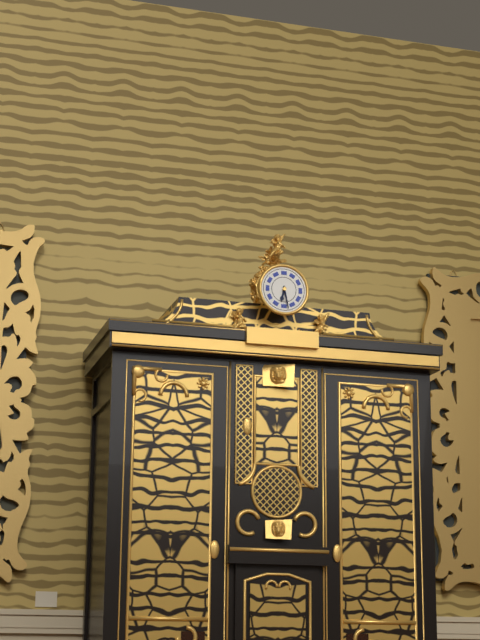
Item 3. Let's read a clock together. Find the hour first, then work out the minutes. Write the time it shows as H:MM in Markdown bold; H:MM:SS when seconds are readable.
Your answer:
**6:28**
